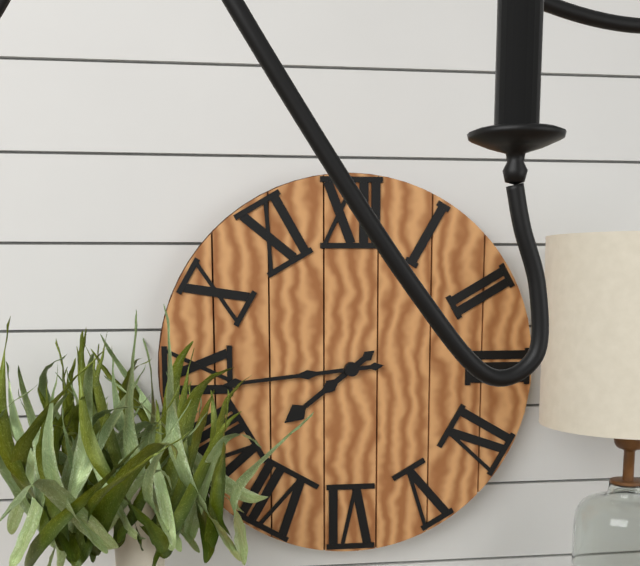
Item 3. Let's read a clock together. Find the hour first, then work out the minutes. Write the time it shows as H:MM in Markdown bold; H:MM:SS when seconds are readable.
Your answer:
**7:44**
